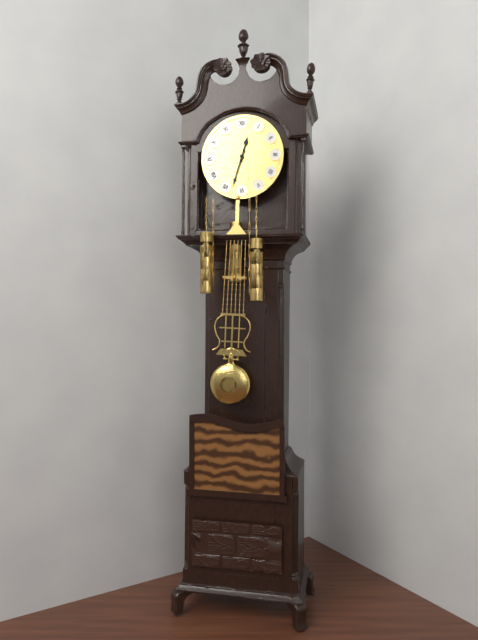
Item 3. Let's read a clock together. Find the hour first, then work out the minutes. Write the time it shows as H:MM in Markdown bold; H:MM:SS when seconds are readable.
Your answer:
**12:33**
